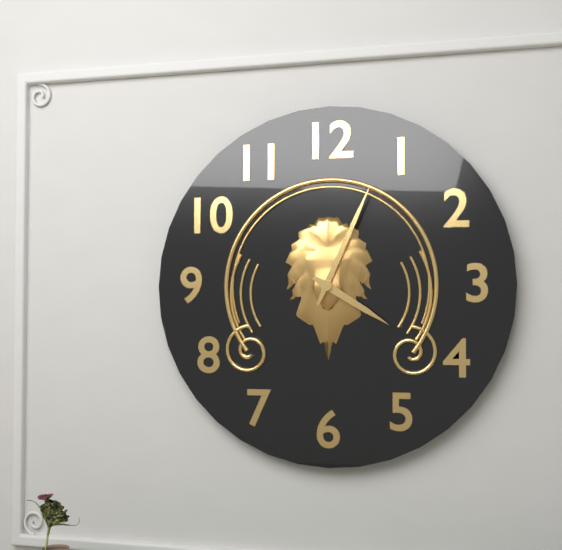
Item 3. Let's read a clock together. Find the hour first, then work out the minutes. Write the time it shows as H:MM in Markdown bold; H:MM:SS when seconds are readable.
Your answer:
**4:04**
